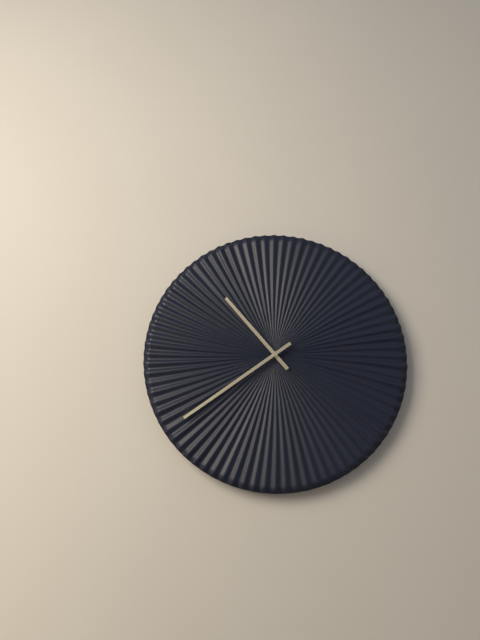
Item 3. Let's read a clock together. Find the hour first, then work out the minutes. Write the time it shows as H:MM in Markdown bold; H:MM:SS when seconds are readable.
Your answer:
**10:39**
